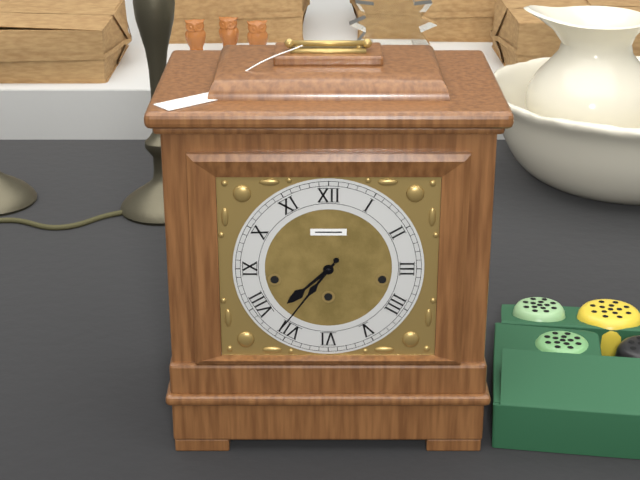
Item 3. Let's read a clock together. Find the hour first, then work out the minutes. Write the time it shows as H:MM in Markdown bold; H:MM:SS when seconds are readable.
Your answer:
**7:36**
